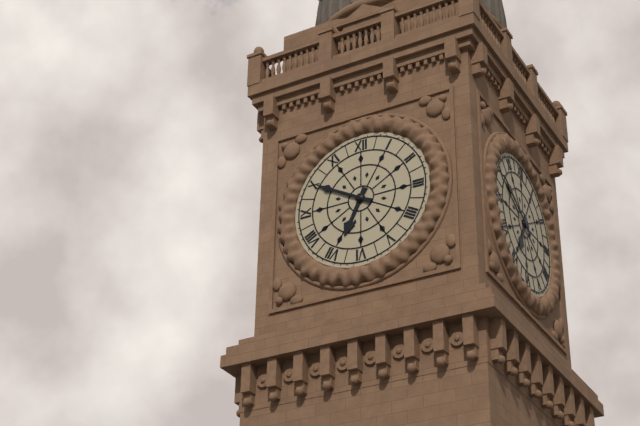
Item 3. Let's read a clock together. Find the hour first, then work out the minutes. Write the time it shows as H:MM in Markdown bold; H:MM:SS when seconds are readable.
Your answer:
**6:50**
